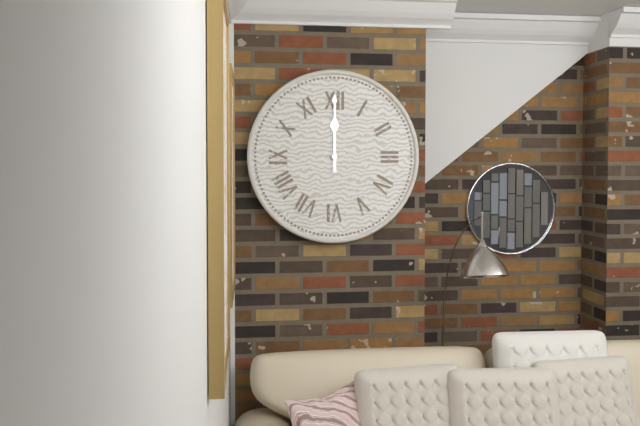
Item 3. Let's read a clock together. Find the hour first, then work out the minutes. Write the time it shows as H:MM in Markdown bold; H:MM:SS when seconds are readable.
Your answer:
**12:00**
